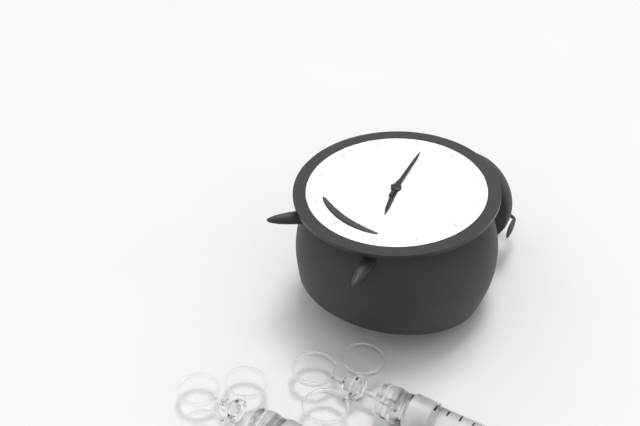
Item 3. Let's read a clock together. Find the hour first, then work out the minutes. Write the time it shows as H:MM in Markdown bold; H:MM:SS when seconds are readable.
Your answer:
**4:56**
